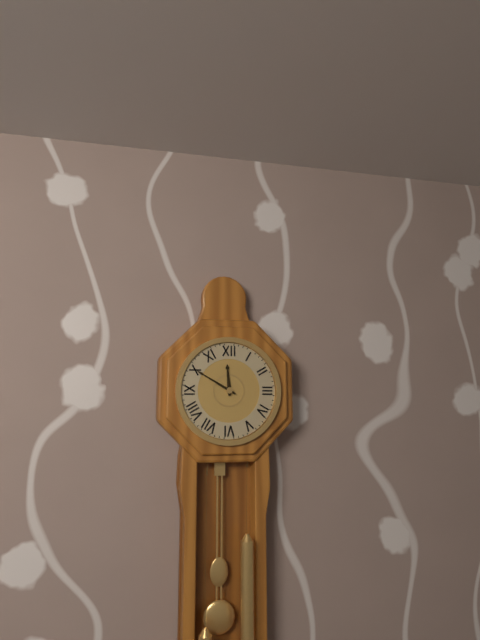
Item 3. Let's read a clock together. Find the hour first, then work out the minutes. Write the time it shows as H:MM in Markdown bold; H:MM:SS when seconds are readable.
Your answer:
**11:50**
